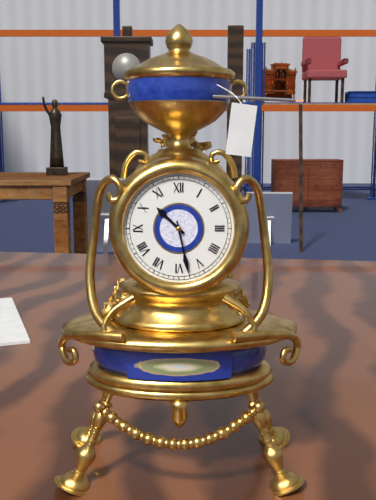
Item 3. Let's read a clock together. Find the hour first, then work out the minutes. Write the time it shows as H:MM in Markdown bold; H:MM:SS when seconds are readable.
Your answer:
**10:28**
